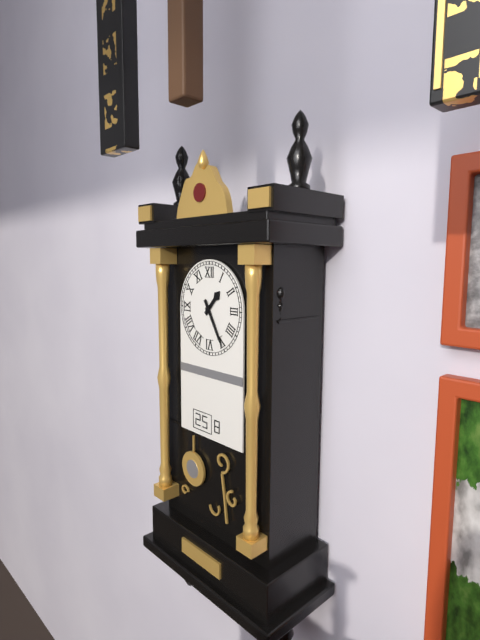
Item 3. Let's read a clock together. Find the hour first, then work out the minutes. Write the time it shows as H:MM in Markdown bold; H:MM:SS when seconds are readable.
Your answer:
**1:25**
